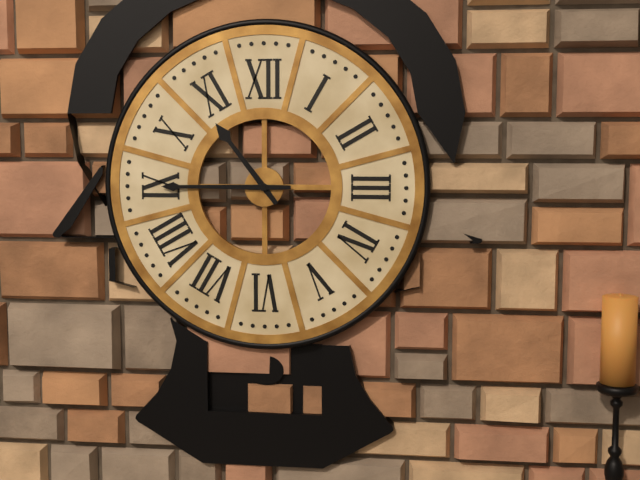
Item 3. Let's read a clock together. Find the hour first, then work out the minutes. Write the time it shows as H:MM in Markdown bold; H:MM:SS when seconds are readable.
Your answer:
**10:45**
